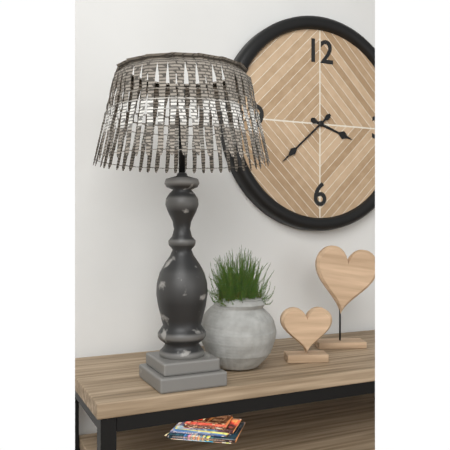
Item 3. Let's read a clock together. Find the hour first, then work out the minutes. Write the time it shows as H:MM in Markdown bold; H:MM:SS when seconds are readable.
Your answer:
**3:38**
